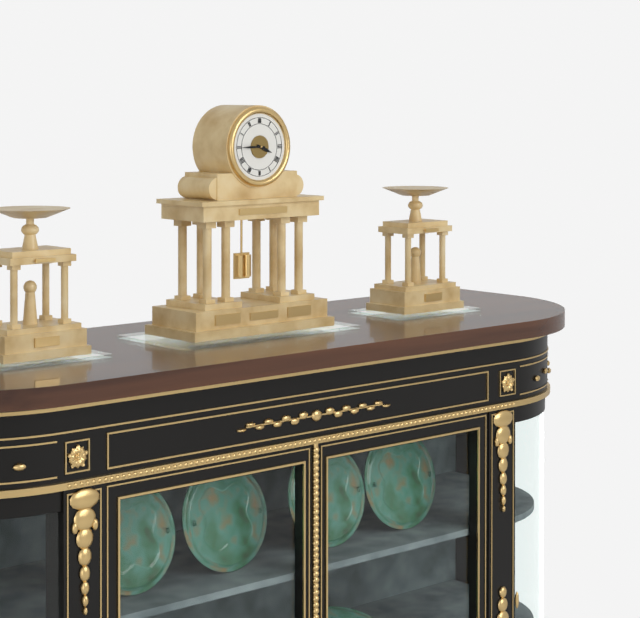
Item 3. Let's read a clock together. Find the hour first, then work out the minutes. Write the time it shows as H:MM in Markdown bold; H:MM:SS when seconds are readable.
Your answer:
**3:45**
